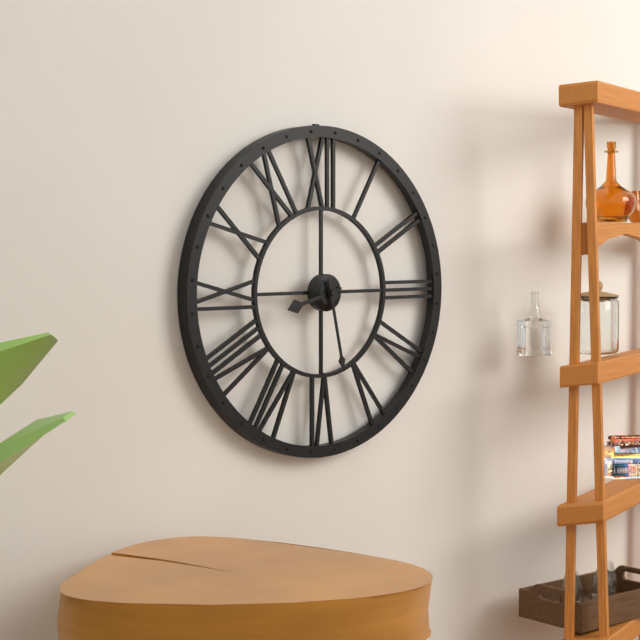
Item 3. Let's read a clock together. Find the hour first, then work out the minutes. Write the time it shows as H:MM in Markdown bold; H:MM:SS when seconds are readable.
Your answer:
**8:28**
